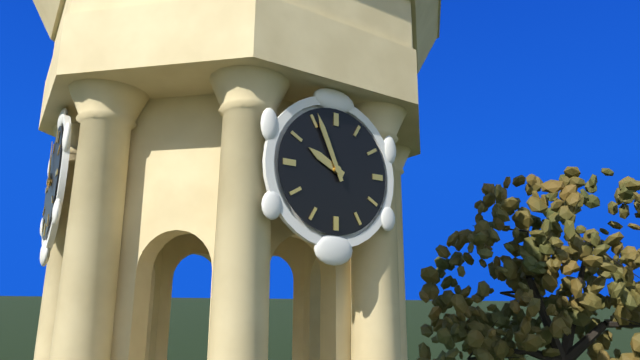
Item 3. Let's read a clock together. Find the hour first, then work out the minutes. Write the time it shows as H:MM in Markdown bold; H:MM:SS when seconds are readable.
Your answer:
**9:56**
